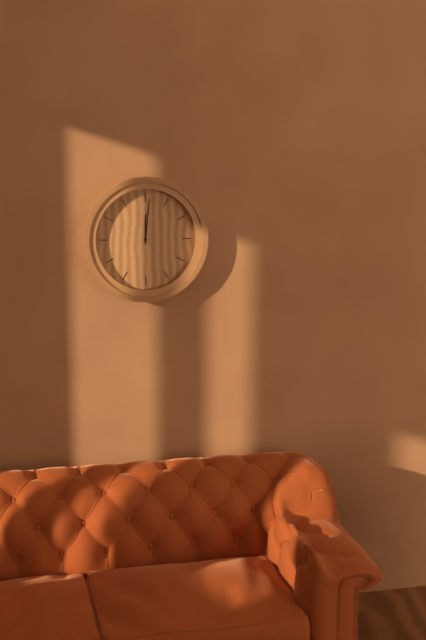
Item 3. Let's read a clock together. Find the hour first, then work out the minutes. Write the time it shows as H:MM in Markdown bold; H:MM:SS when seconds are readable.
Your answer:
**12:01**
